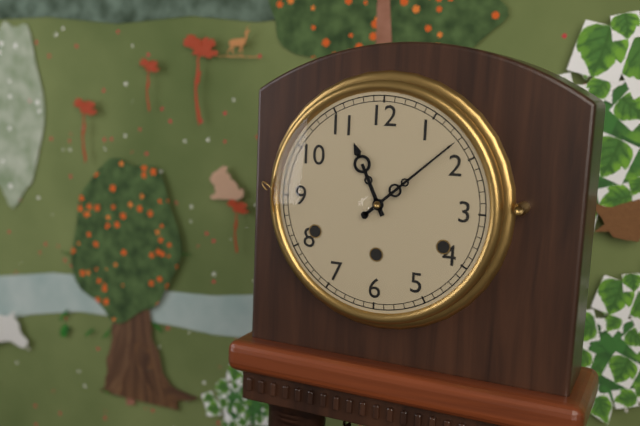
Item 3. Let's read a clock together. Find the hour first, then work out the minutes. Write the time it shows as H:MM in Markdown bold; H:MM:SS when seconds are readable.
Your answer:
**11:08**
